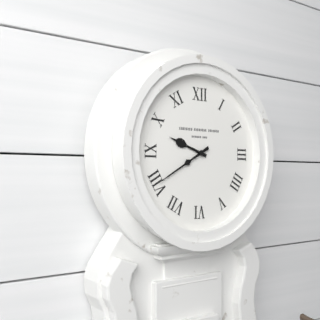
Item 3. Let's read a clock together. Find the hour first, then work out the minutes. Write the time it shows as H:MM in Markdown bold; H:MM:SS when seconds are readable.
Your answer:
**9:40**
